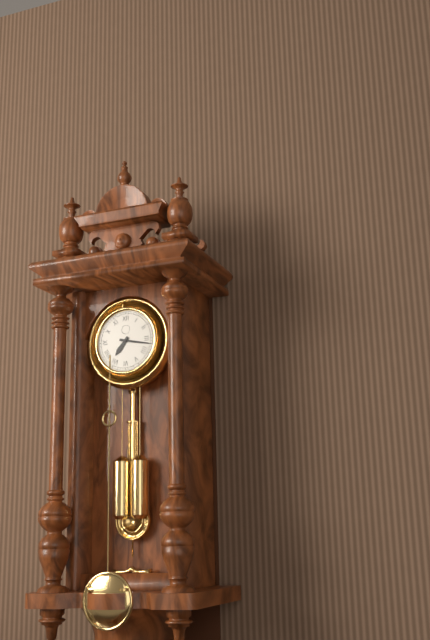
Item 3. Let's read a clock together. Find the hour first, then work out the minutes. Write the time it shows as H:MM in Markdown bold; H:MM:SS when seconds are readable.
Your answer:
**7:17**
